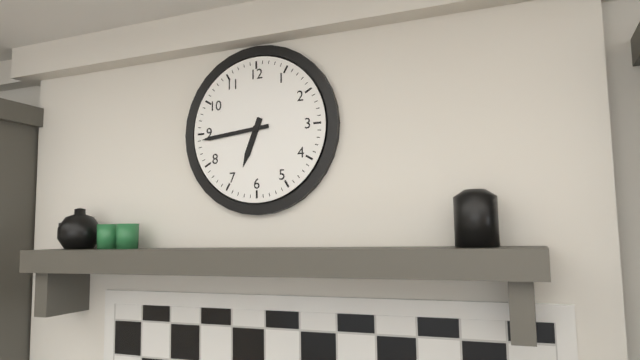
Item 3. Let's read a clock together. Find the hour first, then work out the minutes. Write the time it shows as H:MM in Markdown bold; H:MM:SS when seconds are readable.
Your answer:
**6:44**
